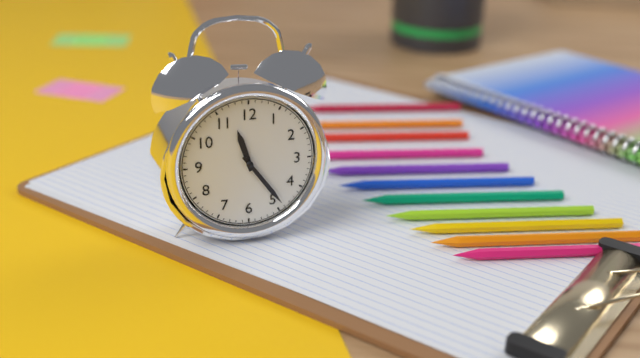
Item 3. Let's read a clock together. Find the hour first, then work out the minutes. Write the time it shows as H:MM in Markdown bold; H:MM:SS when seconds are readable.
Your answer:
**11:24**
